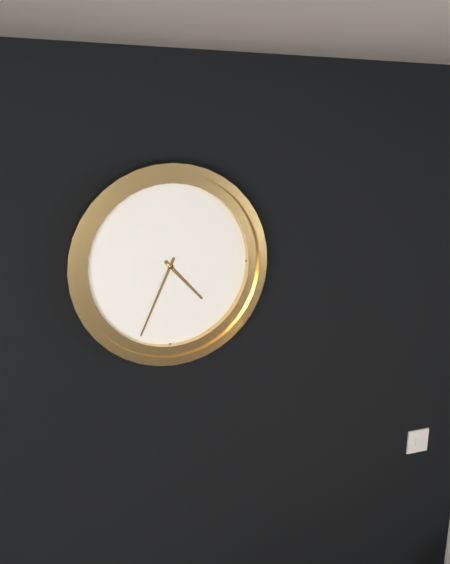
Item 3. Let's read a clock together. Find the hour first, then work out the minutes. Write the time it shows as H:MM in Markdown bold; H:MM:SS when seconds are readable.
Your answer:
**4:34**
